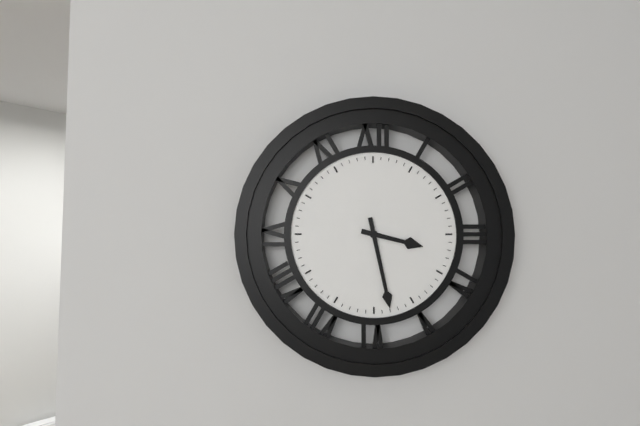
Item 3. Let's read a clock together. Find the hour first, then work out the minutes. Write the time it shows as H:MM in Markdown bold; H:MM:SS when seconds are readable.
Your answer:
**3:28**
